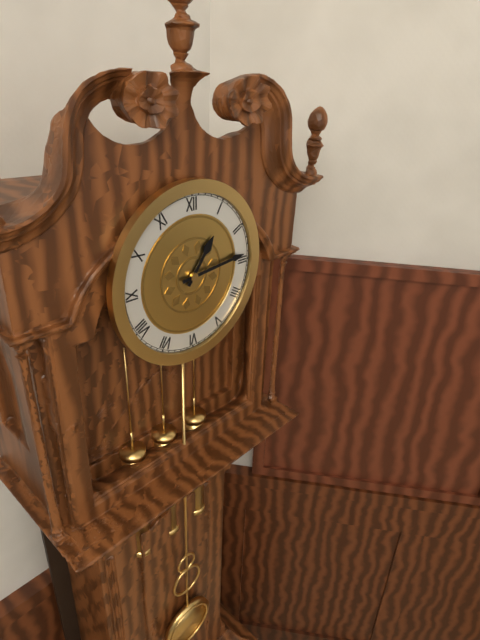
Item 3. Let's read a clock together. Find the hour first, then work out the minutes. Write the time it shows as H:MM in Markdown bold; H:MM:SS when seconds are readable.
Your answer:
**1:14**
